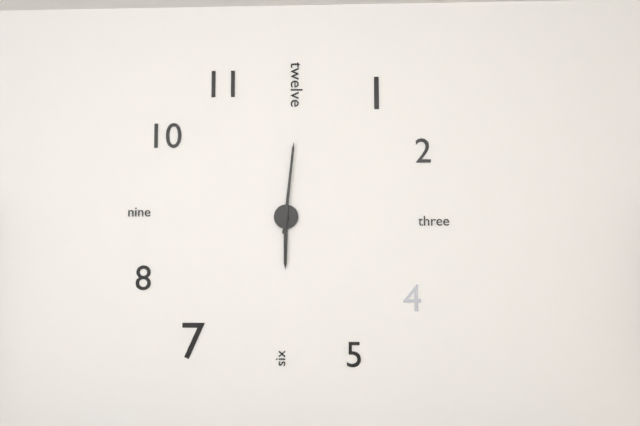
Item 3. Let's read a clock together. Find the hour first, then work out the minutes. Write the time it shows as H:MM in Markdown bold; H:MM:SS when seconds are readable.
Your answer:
**6:01**
